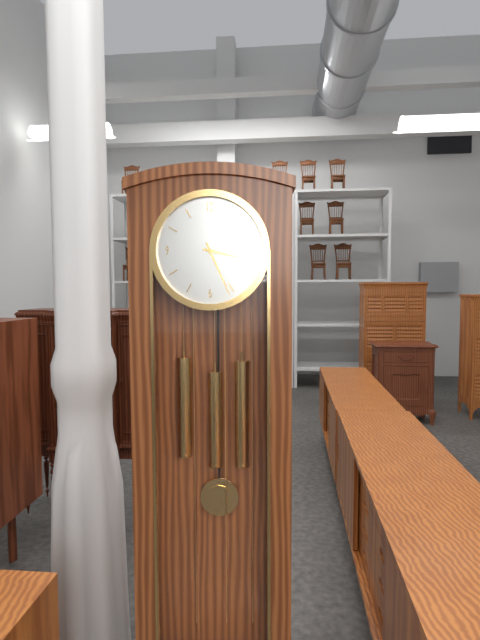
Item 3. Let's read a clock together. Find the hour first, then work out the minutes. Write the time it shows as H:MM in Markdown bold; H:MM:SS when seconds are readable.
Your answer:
**3:26**
